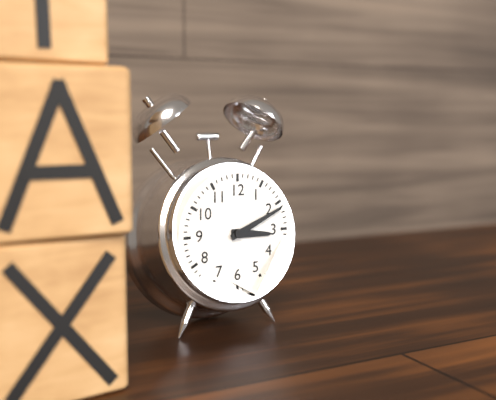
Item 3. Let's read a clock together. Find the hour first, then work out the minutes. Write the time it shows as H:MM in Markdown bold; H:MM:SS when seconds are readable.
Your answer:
**3:11**
